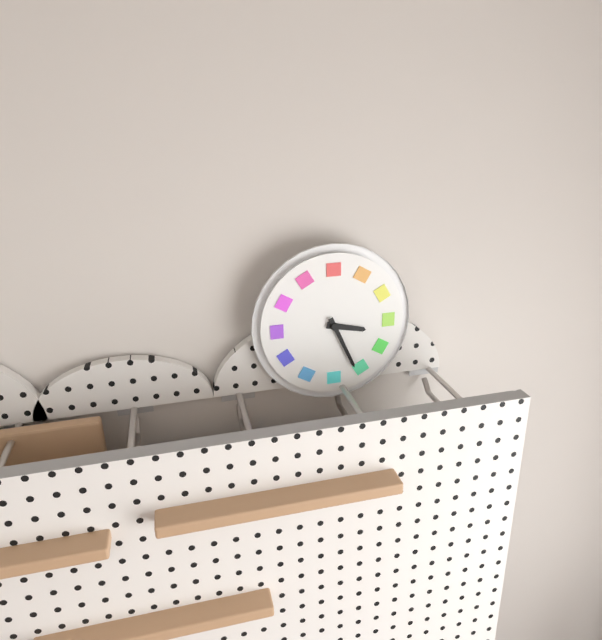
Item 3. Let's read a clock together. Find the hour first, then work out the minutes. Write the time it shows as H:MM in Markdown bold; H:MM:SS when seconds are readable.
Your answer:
**3:26**
